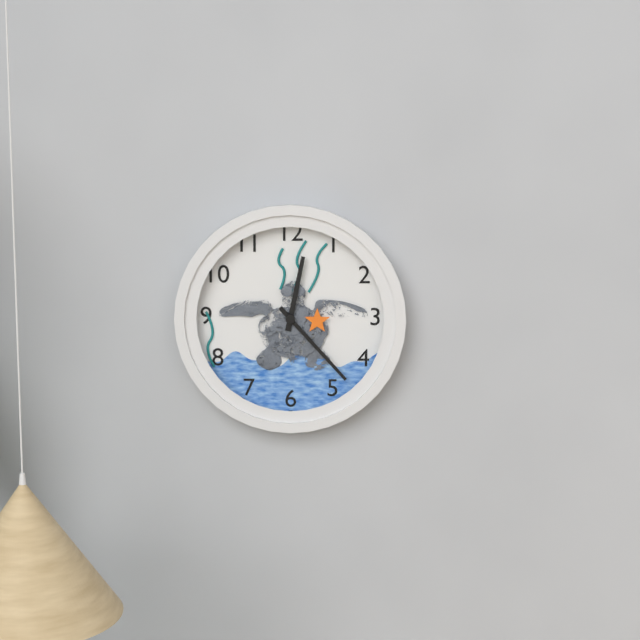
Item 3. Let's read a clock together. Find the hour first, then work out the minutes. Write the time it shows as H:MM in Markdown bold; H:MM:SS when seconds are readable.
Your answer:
**12:23**
